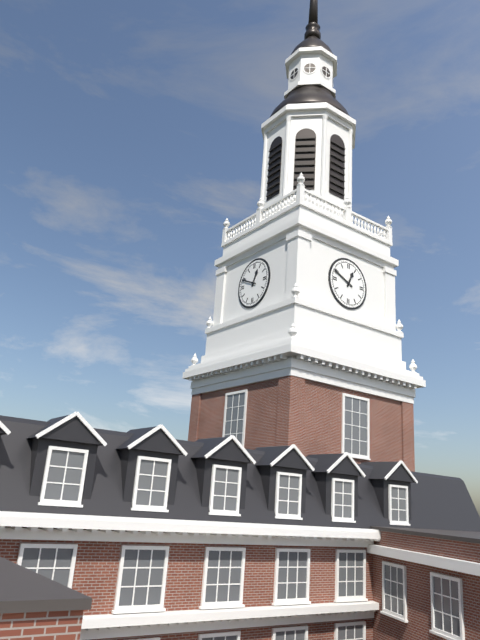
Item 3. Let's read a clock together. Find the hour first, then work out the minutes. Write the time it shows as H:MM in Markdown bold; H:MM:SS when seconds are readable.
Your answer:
**12:49**
